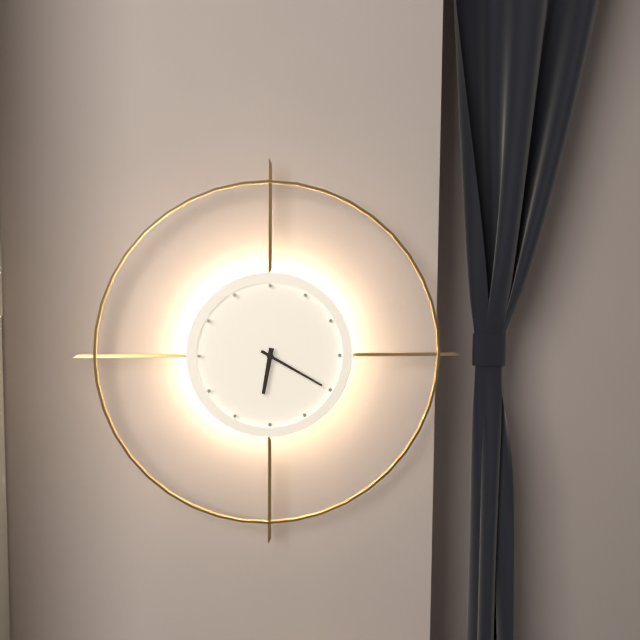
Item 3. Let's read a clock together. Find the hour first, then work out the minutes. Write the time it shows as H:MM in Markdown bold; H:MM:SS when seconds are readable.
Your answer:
**6:20**
